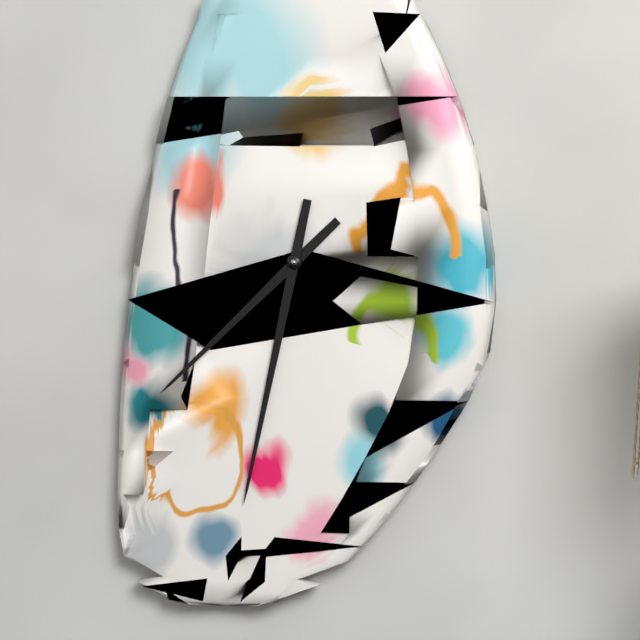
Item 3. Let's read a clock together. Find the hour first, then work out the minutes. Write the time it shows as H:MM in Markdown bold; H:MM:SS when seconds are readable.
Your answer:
**7:32**
